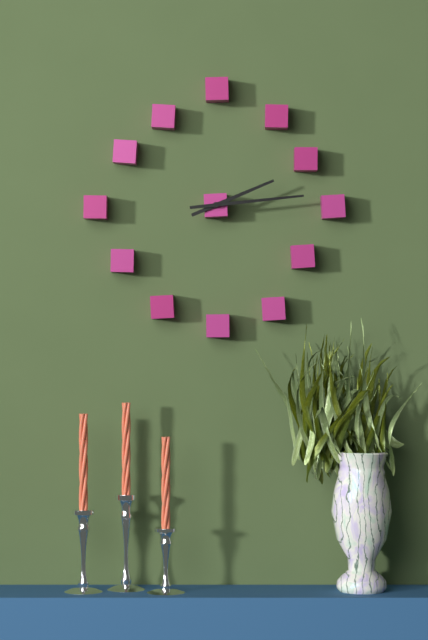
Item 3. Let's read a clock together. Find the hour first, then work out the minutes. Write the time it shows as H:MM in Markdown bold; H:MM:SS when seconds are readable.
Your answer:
**2:14**
